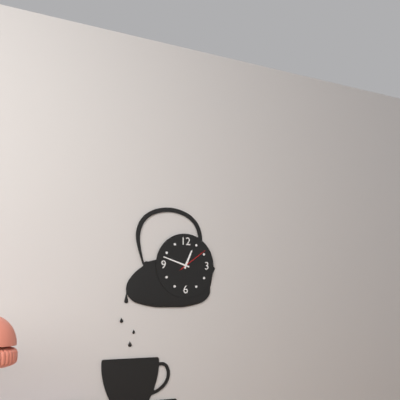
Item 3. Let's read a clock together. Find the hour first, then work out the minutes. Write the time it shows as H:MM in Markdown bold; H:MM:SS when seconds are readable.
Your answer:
**12:48**
